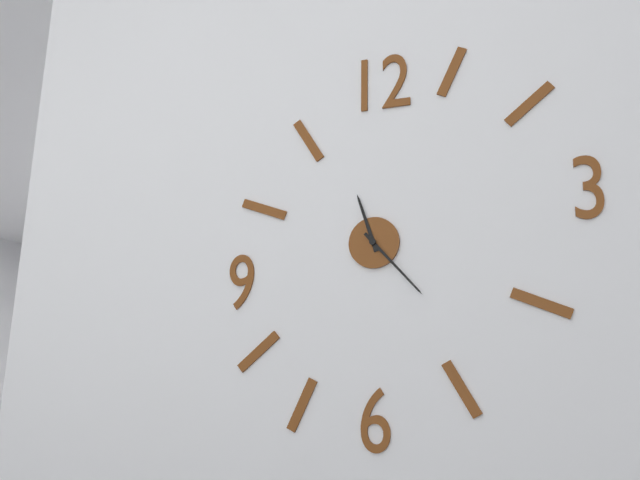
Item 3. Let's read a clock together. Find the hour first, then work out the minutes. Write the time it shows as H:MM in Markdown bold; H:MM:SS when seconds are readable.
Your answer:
**11:23**
